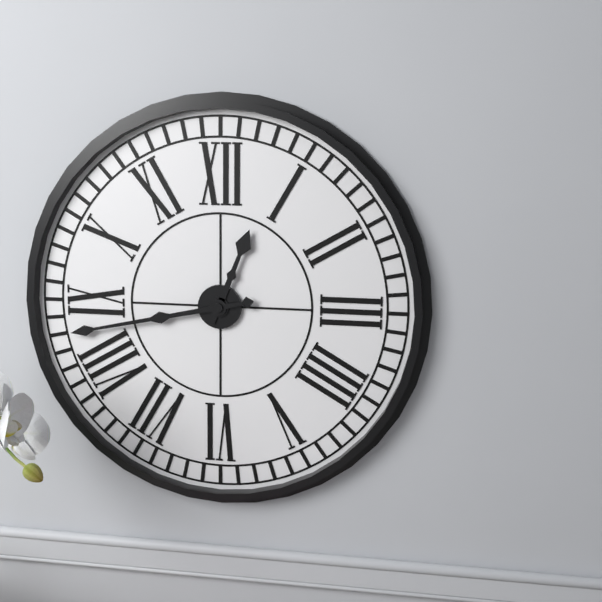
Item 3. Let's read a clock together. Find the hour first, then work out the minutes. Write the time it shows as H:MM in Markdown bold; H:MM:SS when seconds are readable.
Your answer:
**12:43**
